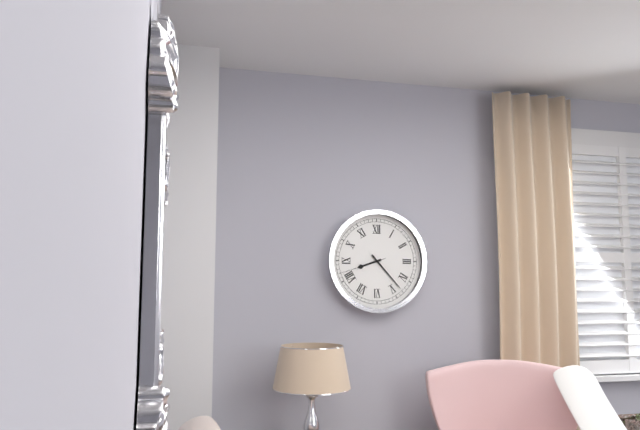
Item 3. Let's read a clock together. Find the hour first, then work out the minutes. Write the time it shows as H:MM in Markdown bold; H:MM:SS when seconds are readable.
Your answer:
**8:23**
